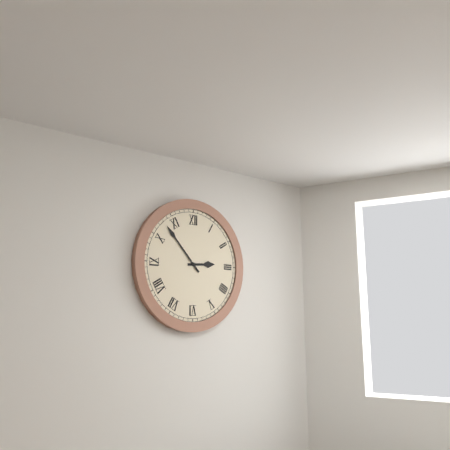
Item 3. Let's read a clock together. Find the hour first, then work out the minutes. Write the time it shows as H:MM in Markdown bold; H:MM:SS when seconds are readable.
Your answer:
**2:53**
